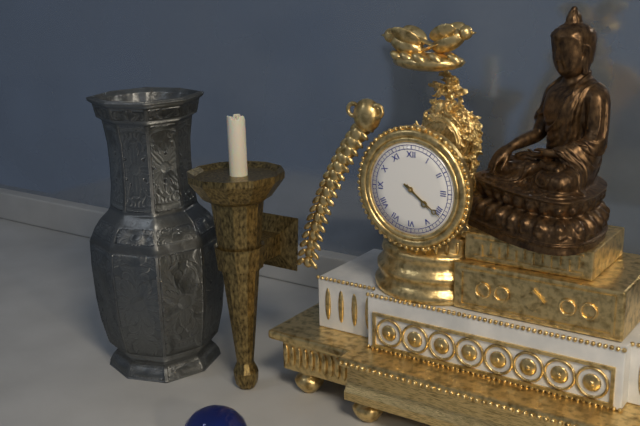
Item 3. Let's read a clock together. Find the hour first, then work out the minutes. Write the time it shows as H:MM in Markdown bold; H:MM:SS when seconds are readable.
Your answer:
**4:21**
